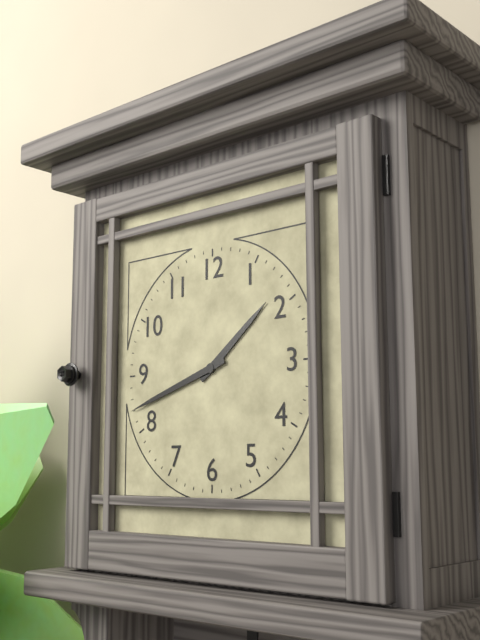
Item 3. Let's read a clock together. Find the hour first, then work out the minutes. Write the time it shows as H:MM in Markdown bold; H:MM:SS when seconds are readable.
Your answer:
**1:42**
